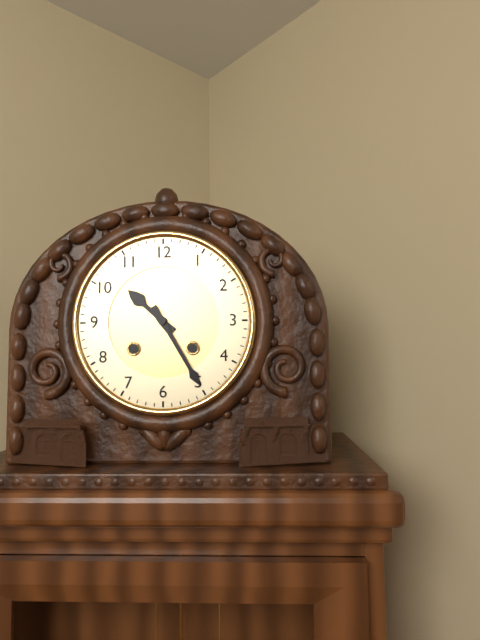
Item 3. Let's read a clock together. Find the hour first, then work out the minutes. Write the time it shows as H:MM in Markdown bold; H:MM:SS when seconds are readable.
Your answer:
**10:25**
